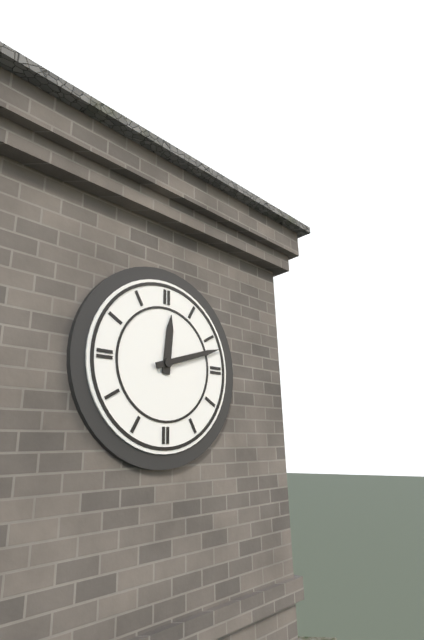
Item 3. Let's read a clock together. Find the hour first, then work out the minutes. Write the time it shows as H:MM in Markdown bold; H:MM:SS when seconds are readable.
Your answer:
**12:12**
